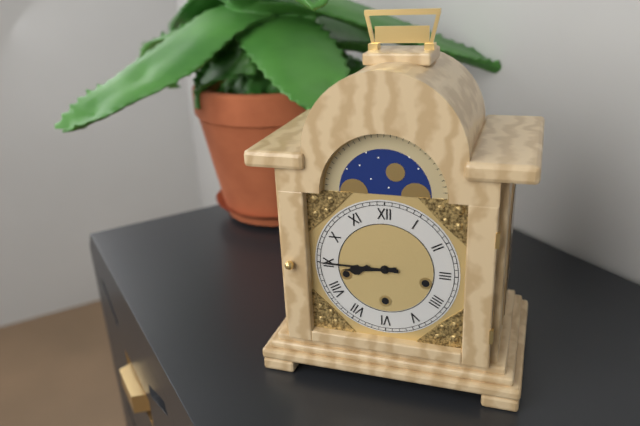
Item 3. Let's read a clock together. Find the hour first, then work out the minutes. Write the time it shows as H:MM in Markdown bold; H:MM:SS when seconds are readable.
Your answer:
**8:45**
